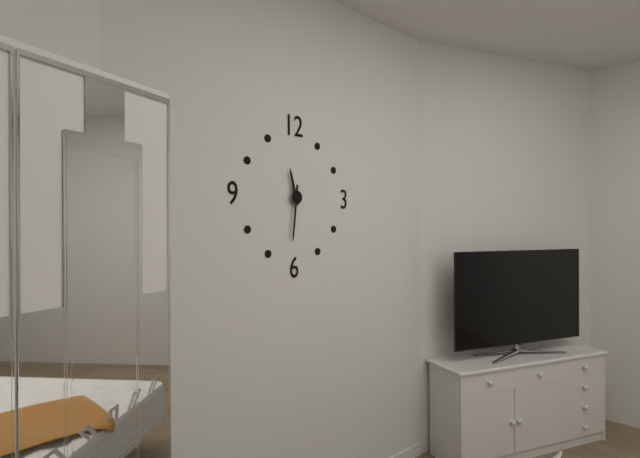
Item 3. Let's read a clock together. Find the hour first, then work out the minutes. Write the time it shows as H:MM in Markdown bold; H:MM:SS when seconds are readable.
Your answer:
**11:31**
